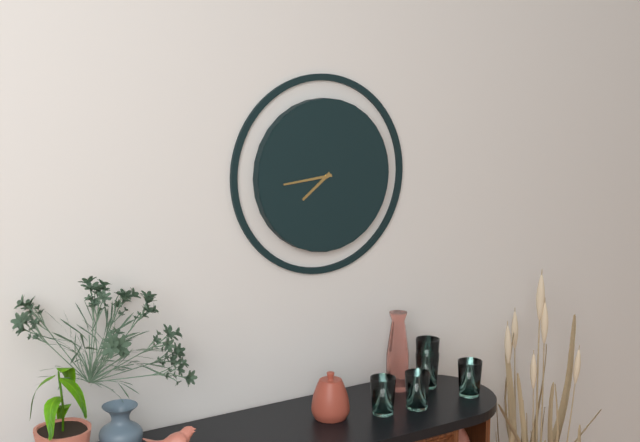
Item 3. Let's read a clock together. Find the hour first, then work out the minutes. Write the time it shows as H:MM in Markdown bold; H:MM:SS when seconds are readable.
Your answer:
**7:44**
